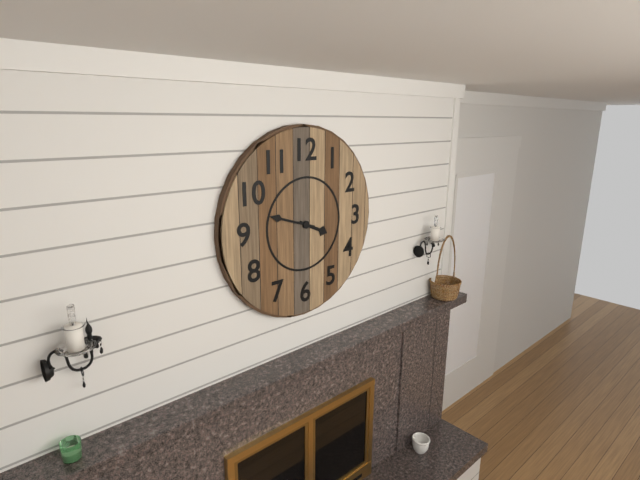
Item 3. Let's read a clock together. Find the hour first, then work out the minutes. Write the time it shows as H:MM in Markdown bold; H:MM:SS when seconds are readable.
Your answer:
**3:48**
